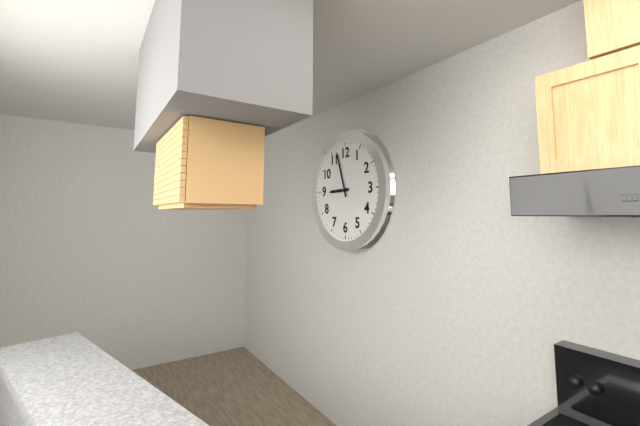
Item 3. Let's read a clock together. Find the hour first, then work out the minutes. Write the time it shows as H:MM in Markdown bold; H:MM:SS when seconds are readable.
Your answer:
**8:57**
